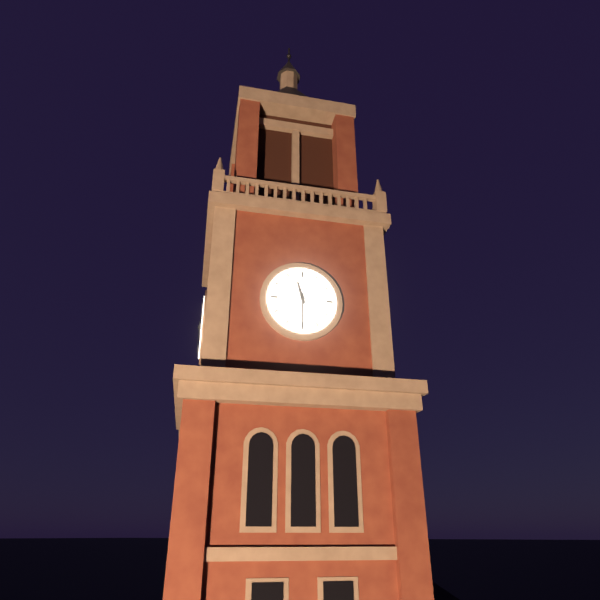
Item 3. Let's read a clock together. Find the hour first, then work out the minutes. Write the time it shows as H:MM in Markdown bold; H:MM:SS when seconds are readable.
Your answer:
**11:30**
